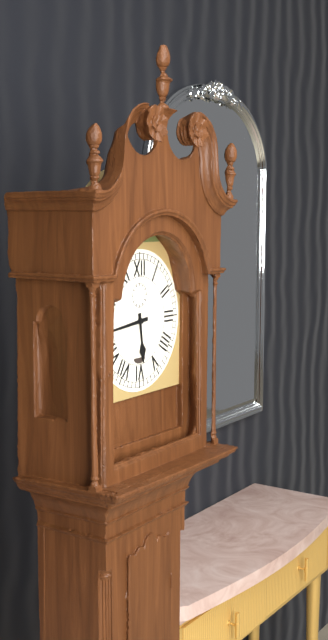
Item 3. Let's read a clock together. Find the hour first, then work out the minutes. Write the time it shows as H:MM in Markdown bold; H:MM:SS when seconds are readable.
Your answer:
**5:44**
